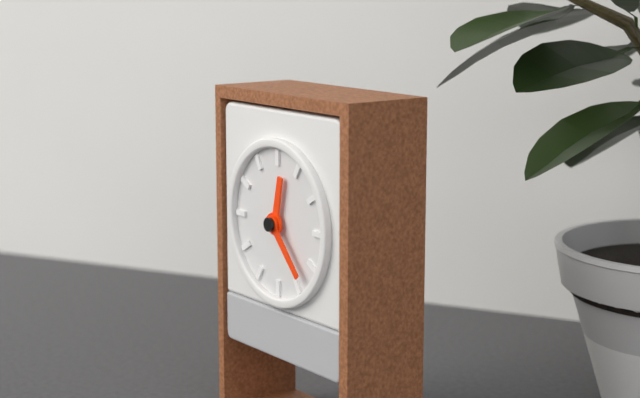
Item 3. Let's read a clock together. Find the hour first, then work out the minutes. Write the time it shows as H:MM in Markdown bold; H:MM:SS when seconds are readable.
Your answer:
**12:23**
